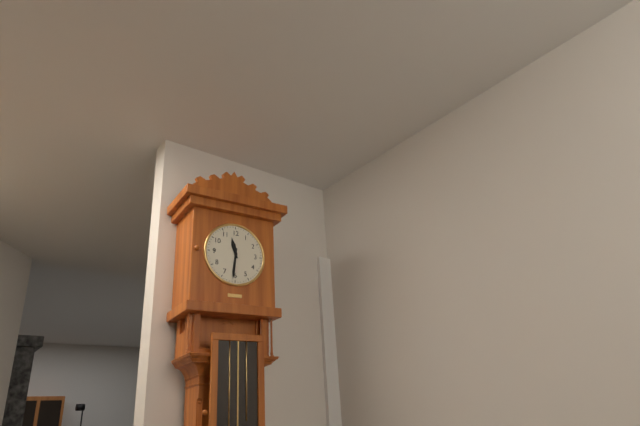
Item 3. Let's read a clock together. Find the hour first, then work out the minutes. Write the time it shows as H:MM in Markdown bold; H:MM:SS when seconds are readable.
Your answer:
**11:31**
